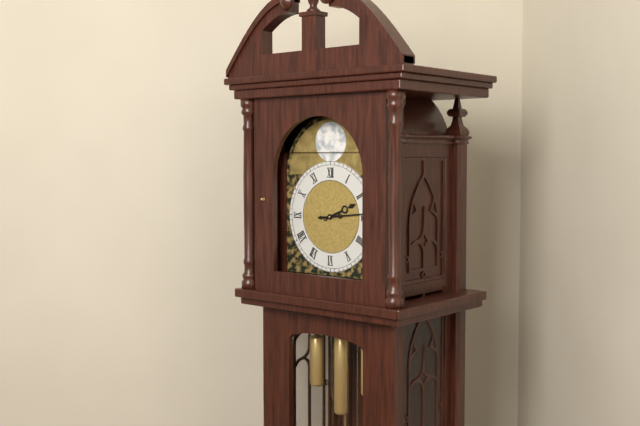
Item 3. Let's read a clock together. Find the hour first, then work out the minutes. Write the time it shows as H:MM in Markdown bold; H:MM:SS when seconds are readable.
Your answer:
**2:14**
